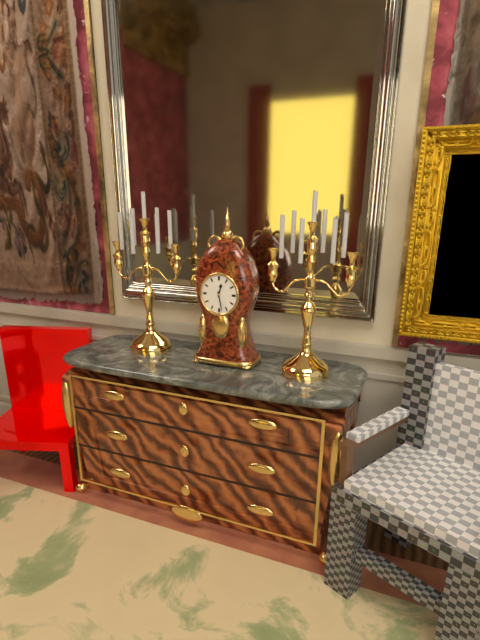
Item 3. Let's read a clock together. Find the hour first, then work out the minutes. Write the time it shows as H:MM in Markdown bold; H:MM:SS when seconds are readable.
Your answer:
**12:28**
